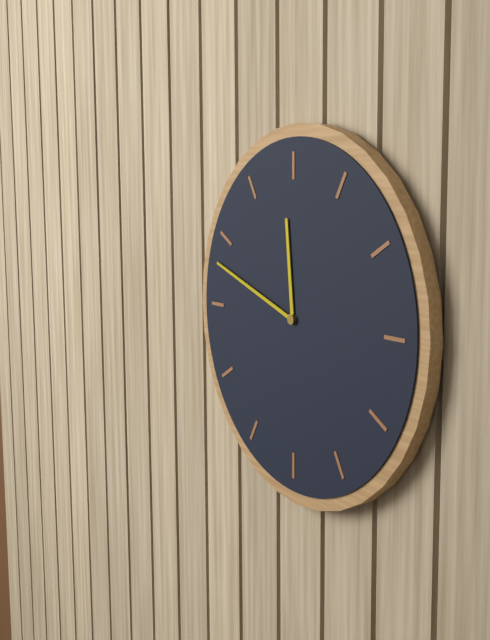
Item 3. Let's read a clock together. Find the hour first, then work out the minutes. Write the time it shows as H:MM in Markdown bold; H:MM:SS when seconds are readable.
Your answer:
**11:48**
